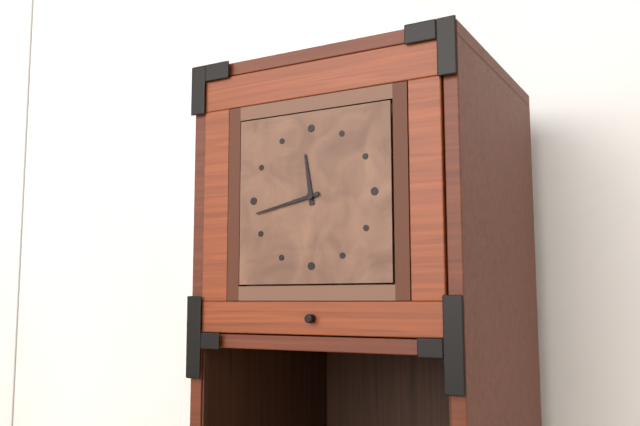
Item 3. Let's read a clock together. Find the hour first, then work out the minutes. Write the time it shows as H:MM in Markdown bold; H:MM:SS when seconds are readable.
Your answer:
**11:43**
